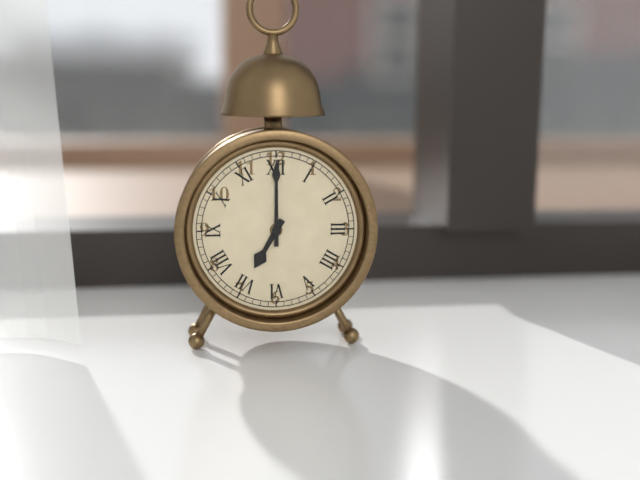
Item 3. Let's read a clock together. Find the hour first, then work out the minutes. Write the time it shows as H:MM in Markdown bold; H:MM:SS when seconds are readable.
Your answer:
**7:00**
